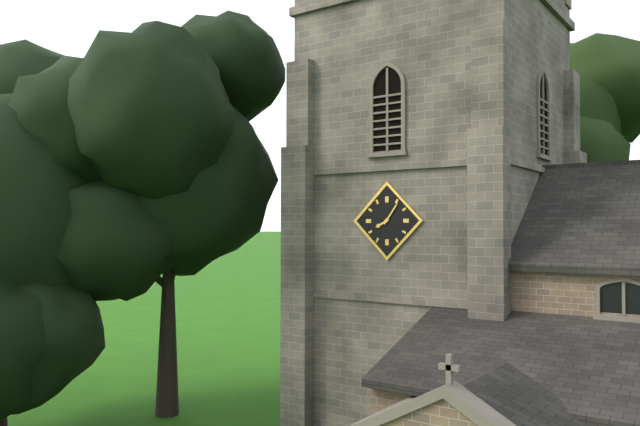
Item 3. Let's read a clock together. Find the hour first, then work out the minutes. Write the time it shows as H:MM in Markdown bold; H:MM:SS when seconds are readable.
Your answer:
**8:06**
